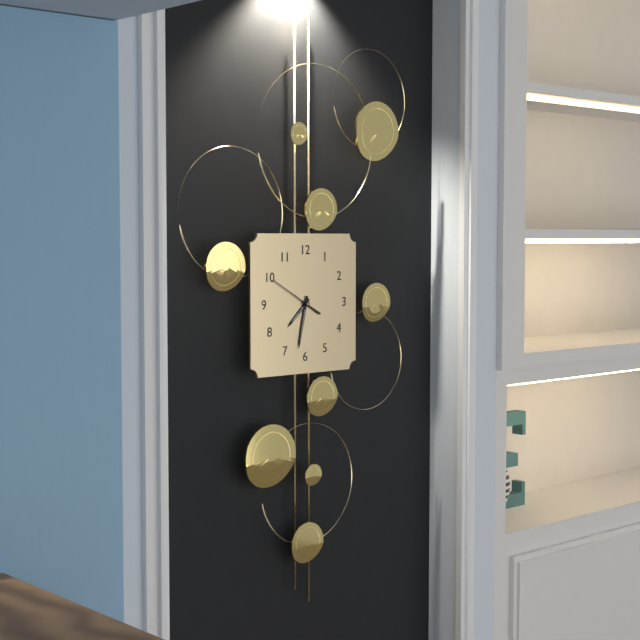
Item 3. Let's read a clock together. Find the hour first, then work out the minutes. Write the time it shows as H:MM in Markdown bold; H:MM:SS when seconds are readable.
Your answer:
**7:32**
